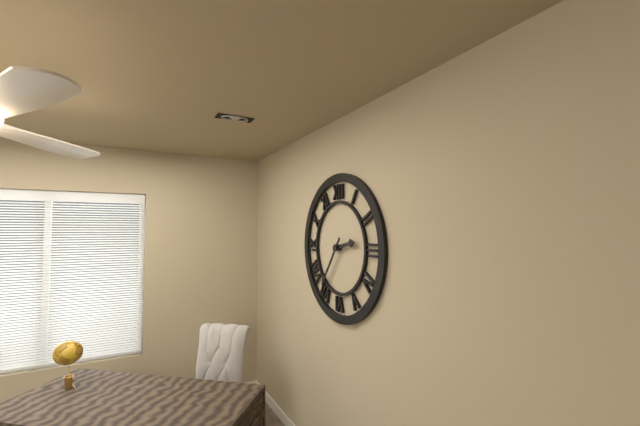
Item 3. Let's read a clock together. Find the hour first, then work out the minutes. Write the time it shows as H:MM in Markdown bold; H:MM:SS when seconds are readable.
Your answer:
**2:36**
